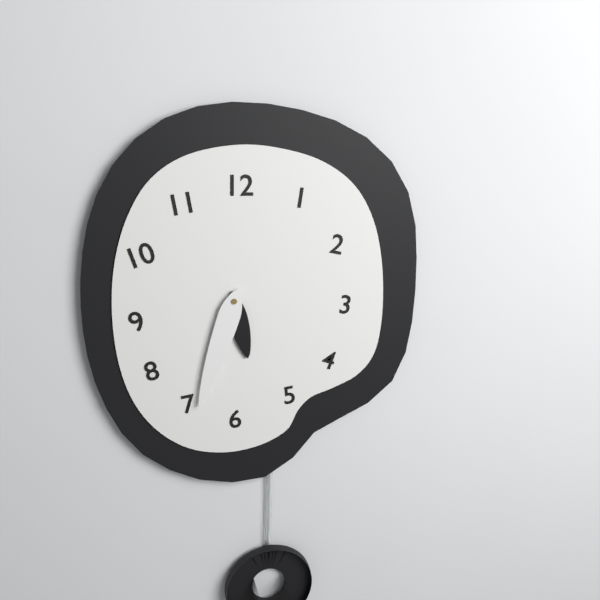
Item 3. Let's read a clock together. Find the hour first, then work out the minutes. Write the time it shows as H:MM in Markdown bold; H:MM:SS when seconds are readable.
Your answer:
**5:33**
